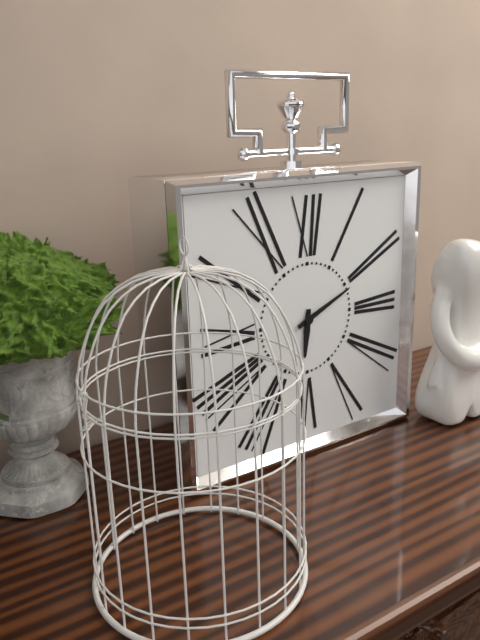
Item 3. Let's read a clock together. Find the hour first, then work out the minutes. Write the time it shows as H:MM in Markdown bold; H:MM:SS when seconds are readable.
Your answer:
**6:11**
